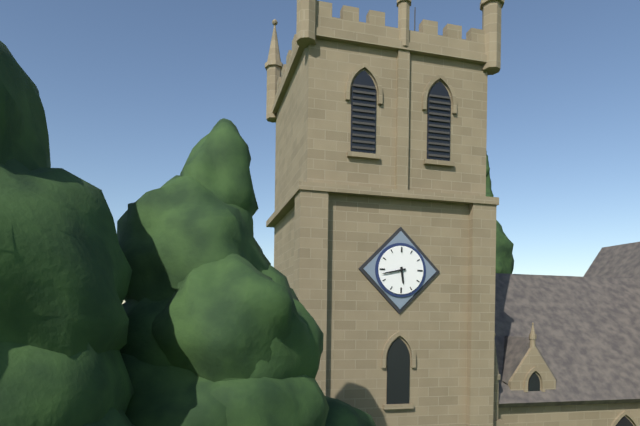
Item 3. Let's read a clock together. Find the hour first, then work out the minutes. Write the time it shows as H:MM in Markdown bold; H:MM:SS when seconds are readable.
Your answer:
**5:43**
